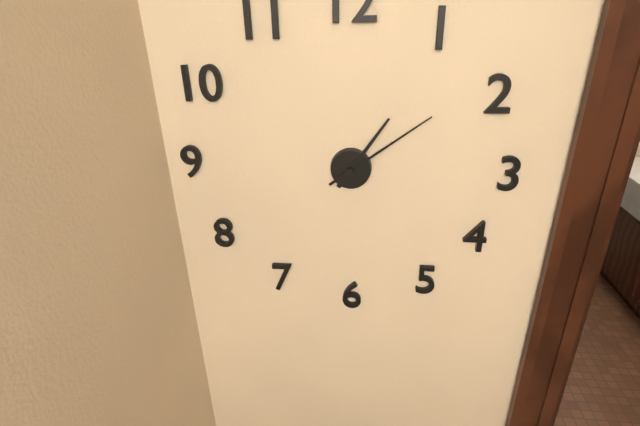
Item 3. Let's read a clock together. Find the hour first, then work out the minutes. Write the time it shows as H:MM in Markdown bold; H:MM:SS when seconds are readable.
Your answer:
**1:09**
